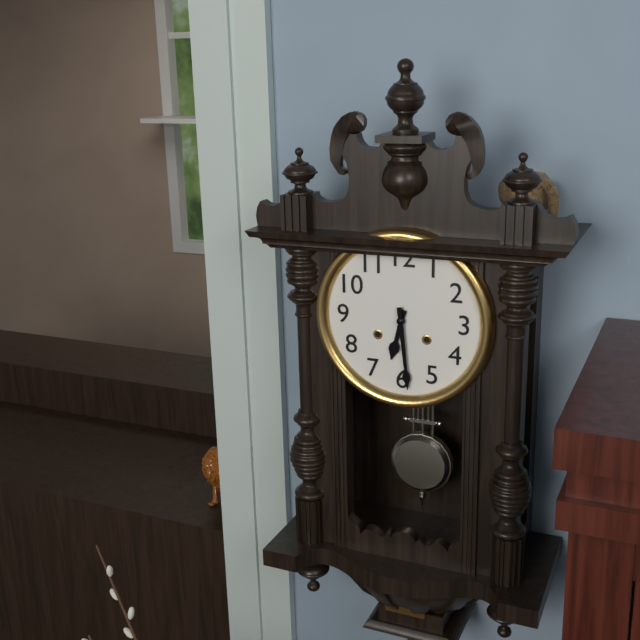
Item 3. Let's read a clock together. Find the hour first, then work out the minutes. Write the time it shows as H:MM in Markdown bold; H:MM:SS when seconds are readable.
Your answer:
**6:29**
